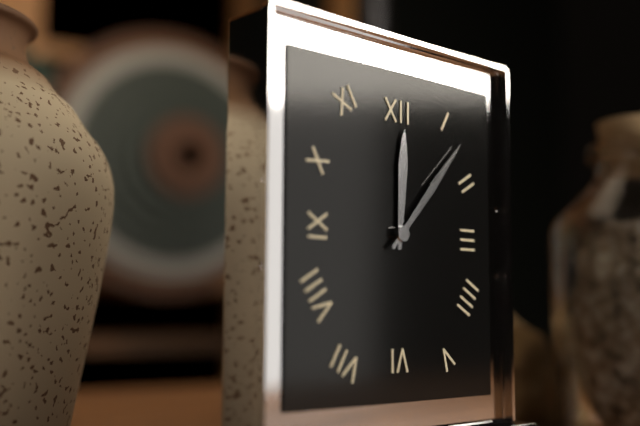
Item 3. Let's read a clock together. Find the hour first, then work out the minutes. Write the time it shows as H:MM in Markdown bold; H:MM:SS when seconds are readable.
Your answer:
**12:07**
